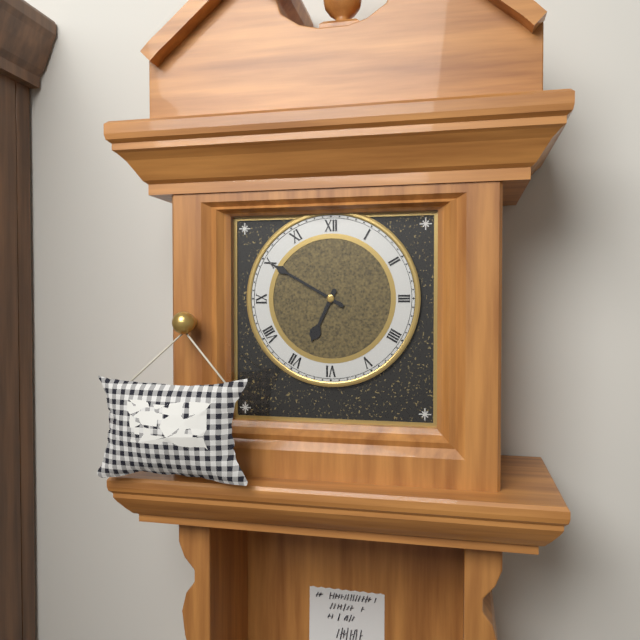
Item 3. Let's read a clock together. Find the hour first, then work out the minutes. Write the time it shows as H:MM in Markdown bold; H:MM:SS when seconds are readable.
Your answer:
**6:50**
